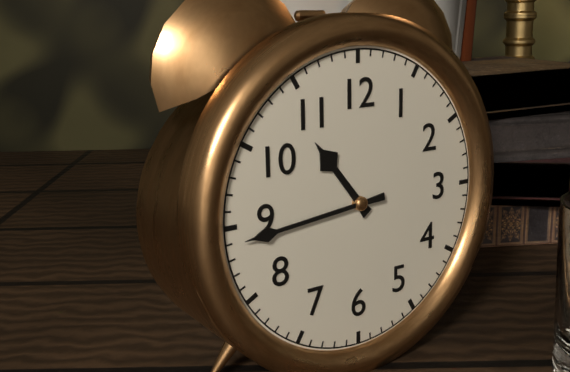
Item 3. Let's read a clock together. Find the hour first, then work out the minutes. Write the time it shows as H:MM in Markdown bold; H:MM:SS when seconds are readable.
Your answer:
**10:44**
